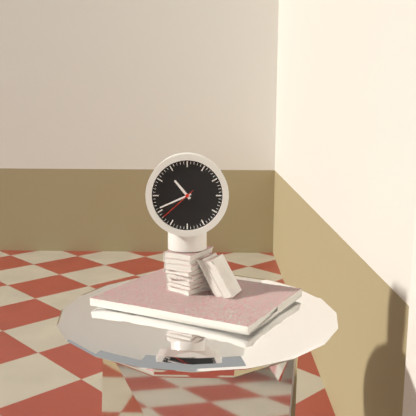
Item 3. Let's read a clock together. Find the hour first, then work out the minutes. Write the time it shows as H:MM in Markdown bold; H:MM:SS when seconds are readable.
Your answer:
**10:41**
